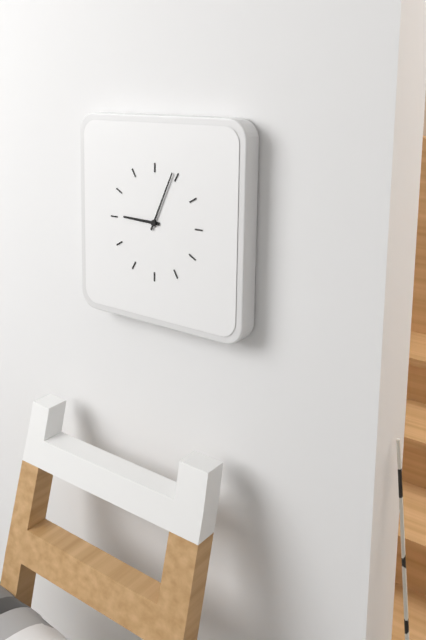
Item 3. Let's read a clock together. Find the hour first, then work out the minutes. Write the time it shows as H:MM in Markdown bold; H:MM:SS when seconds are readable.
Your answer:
**9:04**
